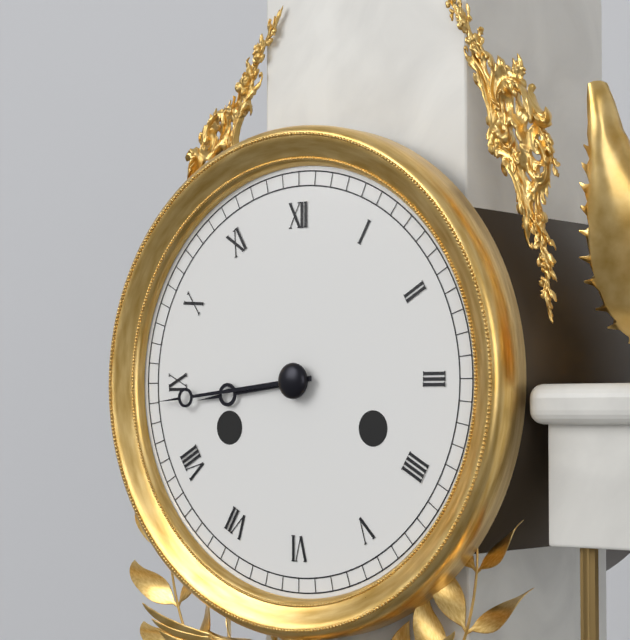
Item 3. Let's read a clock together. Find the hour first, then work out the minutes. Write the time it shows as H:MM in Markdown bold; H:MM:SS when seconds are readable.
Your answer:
**8:44**
